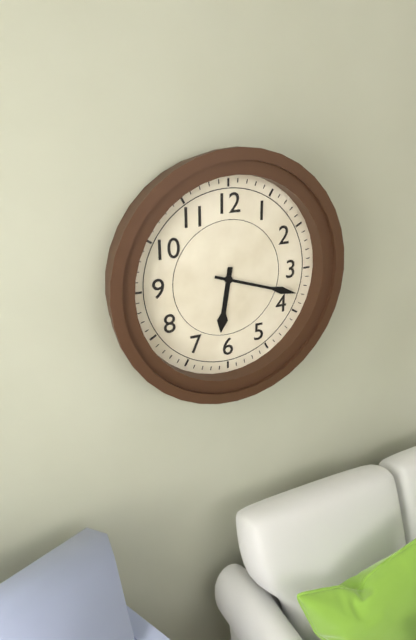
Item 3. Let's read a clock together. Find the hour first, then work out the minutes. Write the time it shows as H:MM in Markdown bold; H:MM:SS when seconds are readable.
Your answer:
**6:18**
